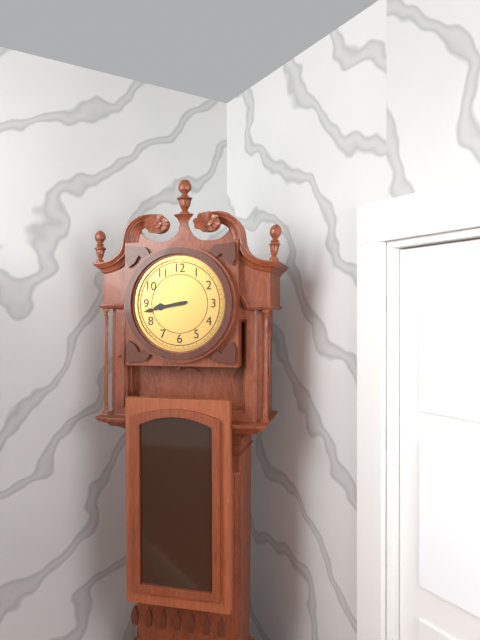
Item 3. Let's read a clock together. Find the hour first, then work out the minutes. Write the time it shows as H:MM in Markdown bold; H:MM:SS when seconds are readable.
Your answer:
**8:43**
